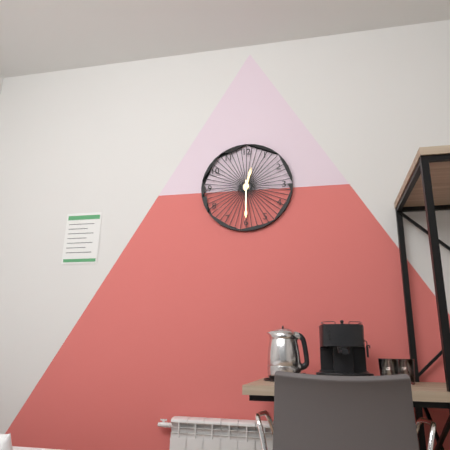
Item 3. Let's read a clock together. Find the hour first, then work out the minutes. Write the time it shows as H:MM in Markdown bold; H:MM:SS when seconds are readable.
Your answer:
**12:30**
